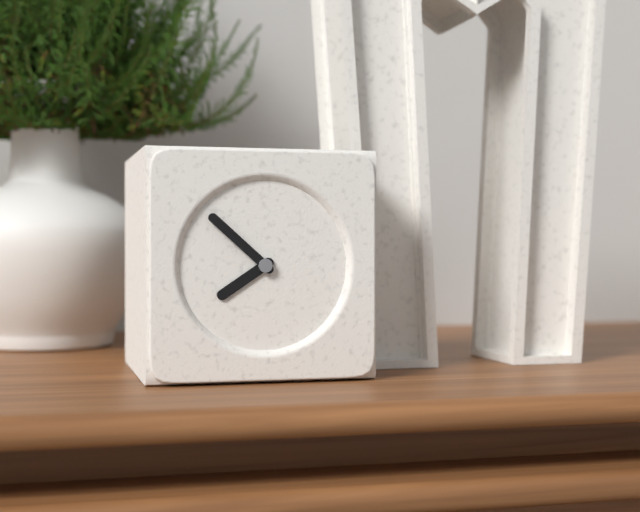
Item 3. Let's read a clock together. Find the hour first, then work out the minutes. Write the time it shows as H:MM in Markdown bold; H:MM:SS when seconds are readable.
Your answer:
**7:52**
